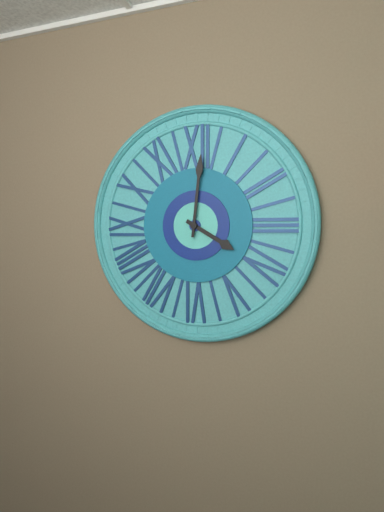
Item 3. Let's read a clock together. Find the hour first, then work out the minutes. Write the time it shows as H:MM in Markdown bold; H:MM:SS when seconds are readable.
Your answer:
**4:01**
